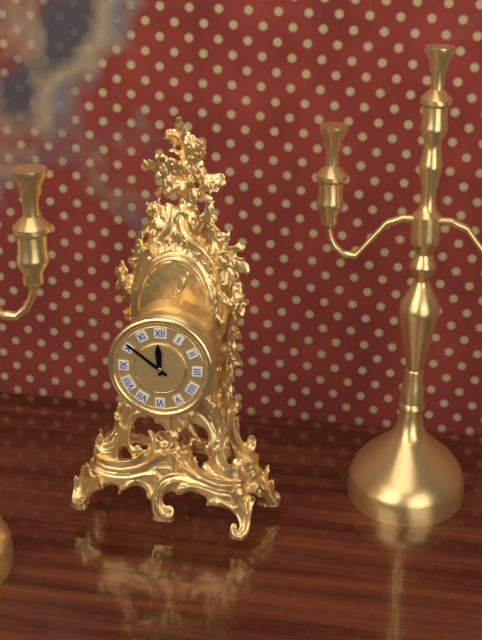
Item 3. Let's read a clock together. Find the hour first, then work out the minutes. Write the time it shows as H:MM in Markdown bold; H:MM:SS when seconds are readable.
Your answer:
**11:51**
